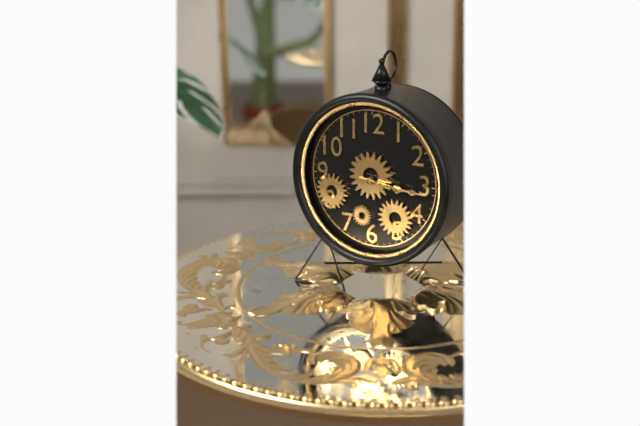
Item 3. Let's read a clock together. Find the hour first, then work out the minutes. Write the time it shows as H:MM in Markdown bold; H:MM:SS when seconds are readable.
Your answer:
**3:16**
